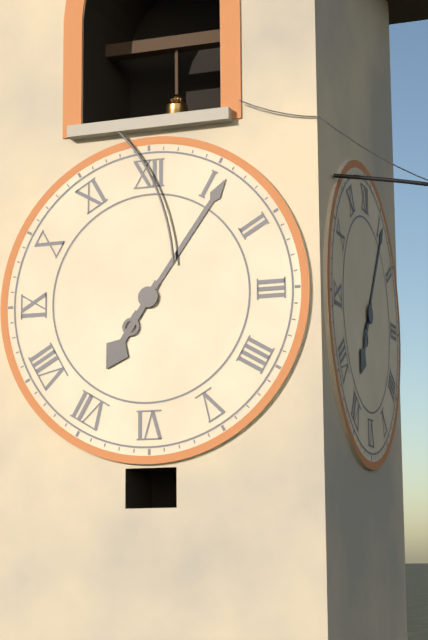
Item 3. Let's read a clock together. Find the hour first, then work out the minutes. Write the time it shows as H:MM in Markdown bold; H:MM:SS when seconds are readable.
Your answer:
**7:06**
